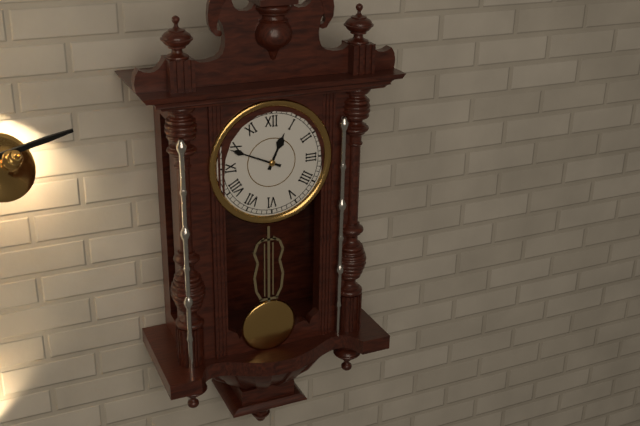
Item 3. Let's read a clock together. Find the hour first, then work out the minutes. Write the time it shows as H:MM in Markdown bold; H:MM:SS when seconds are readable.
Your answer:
**12:49**
